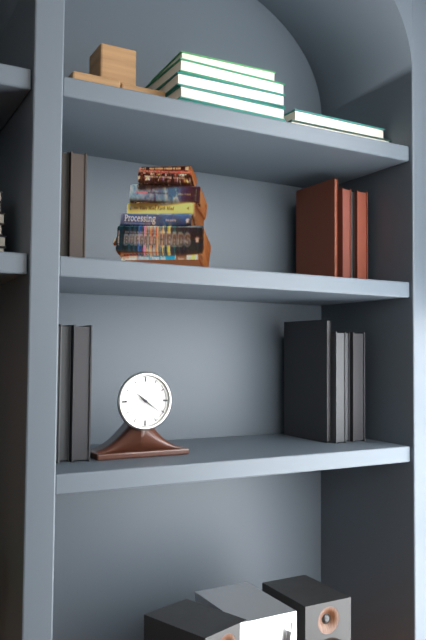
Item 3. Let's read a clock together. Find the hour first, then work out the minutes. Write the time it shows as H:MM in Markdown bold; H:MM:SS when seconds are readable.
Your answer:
**10:21**
